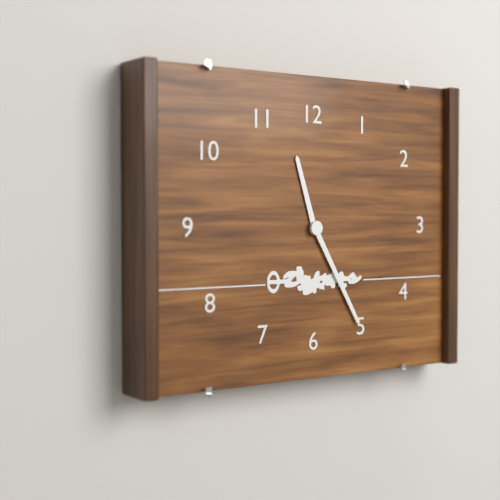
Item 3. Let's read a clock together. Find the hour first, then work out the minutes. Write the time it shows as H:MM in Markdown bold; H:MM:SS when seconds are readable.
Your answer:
**11:25**
